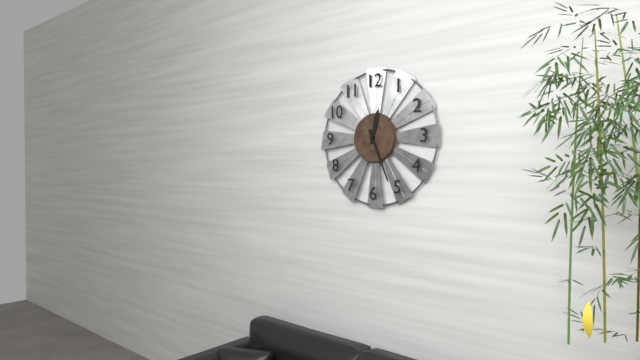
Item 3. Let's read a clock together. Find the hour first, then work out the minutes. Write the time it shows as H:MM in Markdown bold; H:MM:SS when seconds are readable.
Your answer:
**12:26**
